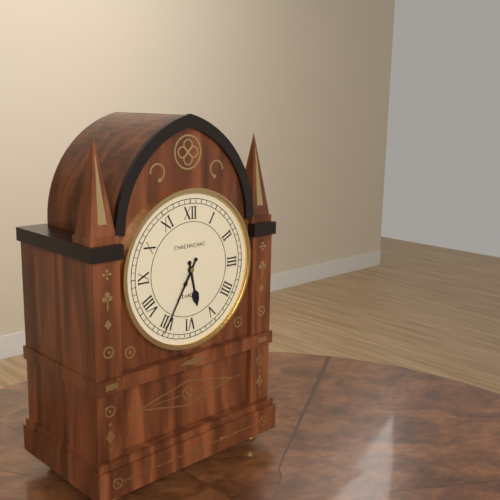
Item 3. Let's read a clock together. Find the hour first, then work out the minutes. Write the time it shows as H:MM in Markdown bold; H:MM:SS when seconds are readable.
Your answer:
**5:35**
